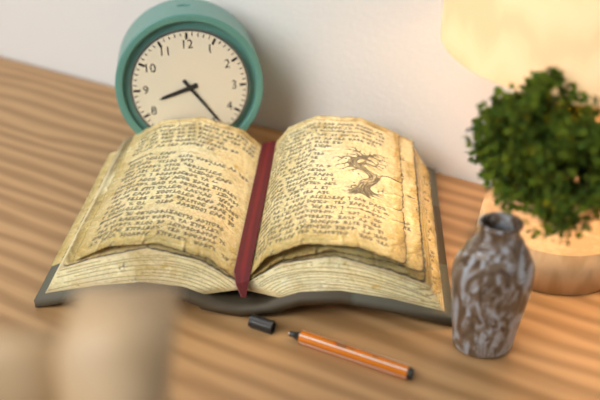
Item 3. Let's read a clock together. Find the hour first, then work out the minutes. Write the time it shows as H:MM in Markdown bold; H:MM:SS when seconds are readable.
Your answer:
**8:24**
